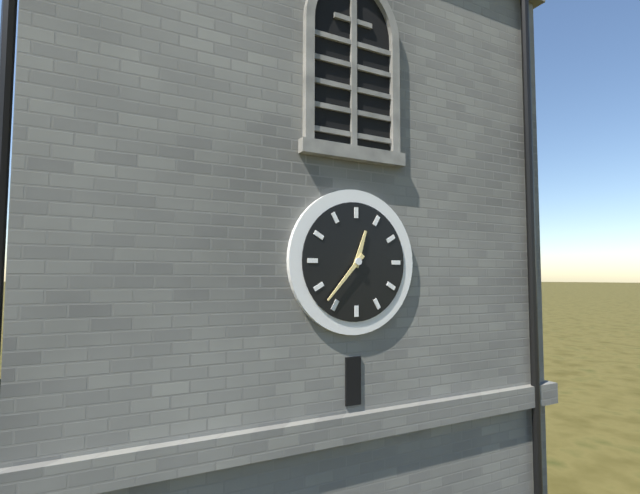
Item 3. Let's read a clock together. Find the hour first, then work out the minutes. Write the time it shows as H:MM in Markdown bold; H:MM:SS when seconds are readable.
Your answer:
**12:37**
